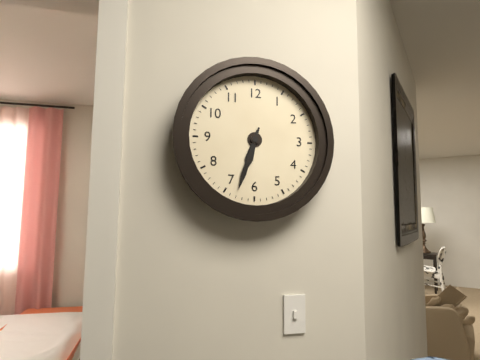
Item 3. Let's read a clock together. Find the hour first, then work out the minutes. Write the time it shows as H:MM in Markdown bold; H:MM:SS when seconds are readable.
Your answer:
**6:33**
